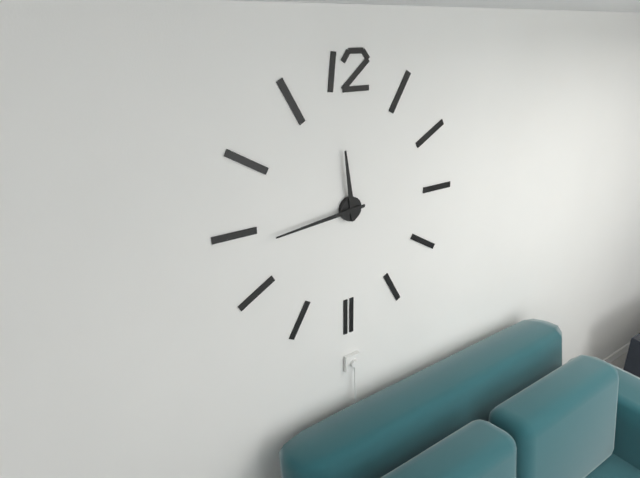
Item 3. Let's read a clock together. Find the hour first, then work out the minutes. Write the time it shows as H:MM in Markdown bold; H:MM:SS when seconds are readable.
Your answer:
**11:44**
